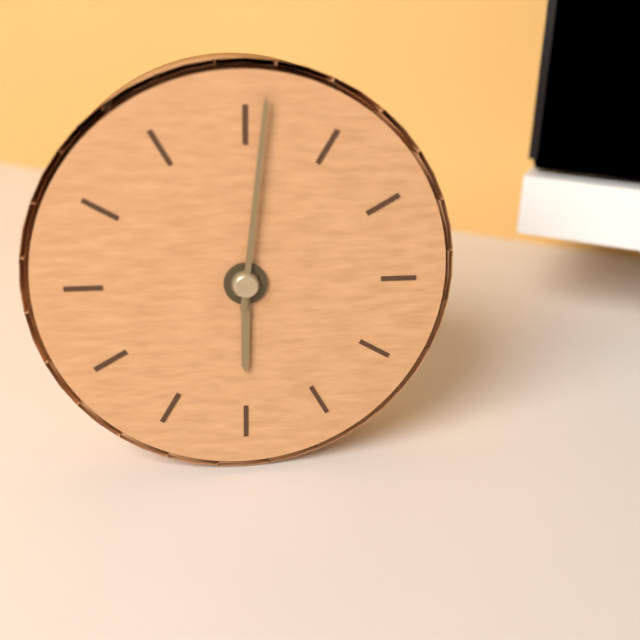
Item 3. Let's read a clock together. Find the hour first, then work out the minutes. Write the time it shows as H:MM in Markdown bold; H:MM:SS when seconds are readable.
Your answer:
**6:01**
